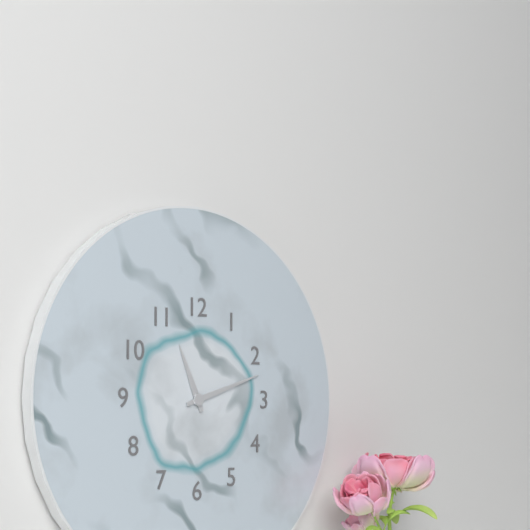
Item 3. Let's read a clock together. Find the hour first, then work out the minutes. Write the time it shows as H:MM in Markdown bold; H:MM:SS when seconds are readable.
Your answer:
**11:12**
